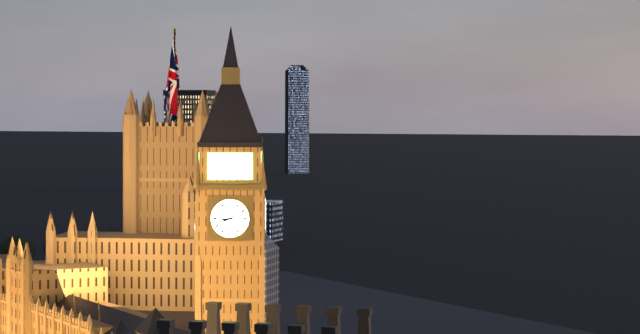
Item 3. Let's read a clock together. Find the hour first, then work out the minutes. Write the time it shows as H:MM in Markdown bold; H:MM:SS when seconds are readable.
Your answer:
**8:41**
